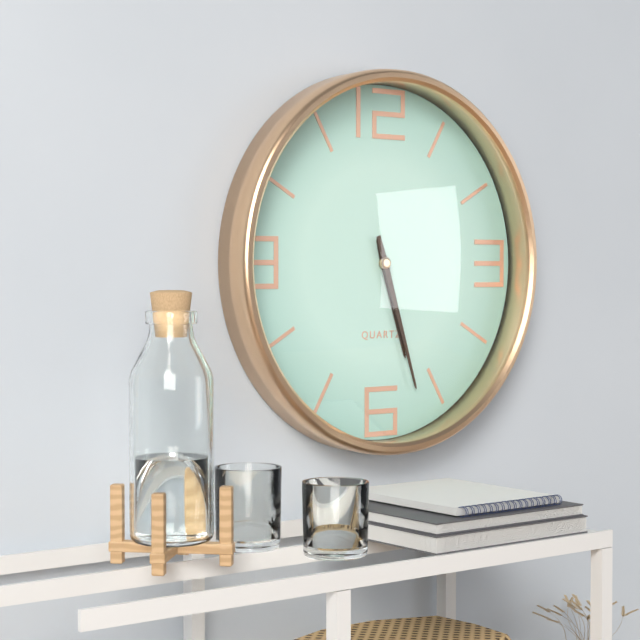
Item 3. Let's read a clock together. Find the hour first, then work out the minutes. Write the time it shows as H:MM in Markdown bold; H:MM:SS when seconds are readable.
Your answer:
**5:27**
